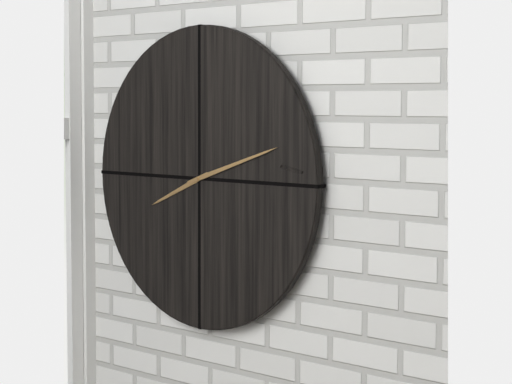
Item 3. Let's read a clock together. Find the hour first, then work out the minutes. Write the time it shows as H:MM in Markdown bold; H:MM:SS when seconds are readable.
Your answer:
**8:12**
